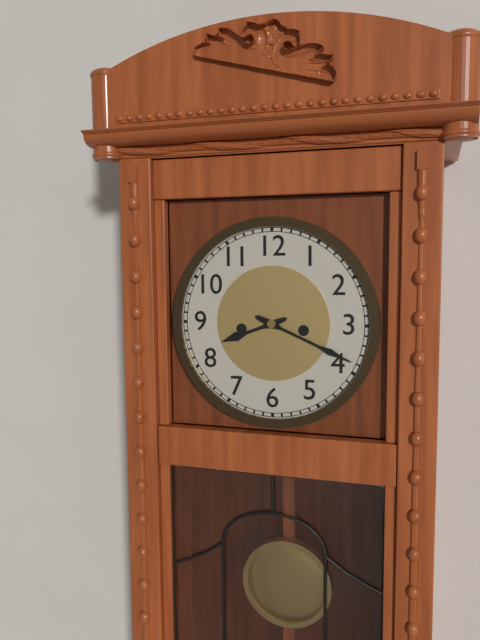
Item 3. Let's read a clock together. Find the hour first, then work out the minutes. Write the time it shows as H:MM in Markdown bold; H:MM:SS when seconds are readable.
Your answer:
**8:19**
